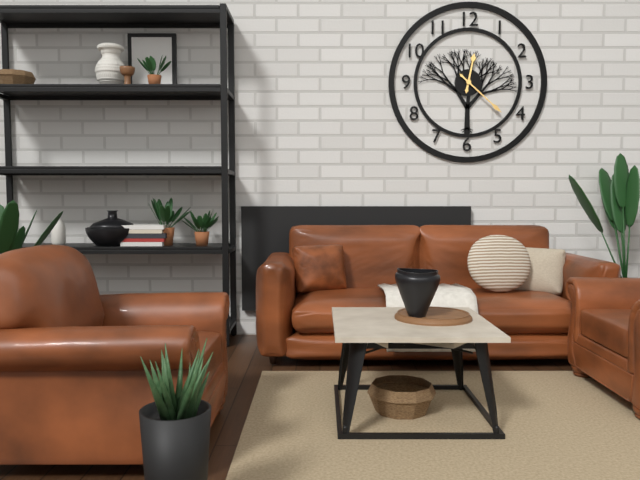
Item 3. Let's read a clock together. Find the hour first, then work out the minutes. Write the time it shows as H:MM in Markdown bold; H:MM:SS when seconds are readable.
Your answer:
**12:22**
